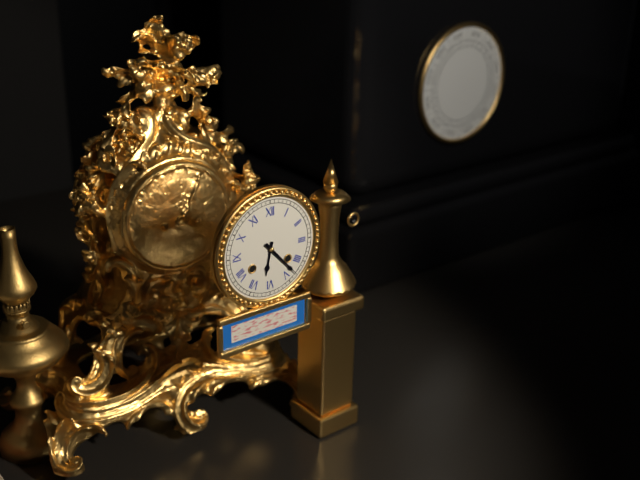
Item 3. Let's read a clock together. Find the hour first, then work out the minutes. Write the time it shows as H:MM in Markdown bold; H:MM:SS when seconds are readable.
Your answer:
**6:23**
